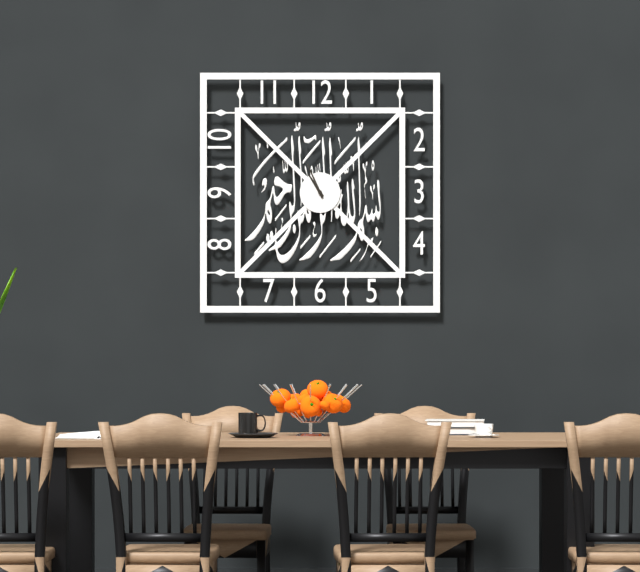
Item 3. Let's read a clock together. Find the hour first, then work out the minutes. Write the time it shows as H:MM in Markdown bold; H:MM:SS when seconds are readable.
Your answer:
**10:56**
